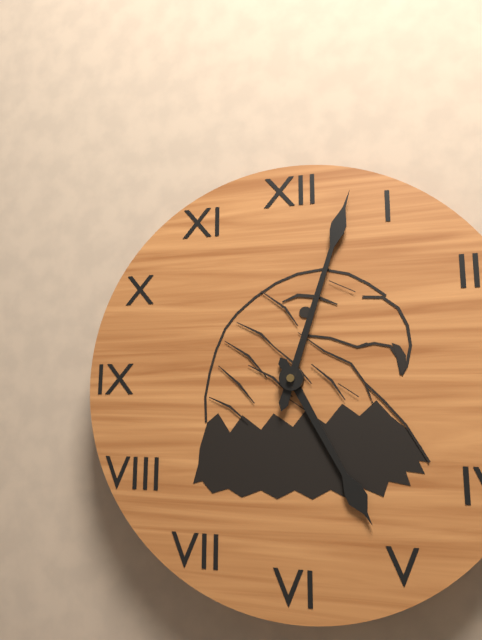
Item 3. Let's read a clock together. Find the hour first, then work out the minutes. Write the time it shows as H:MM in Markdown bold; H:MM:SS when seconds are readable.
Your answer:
**5:03**
